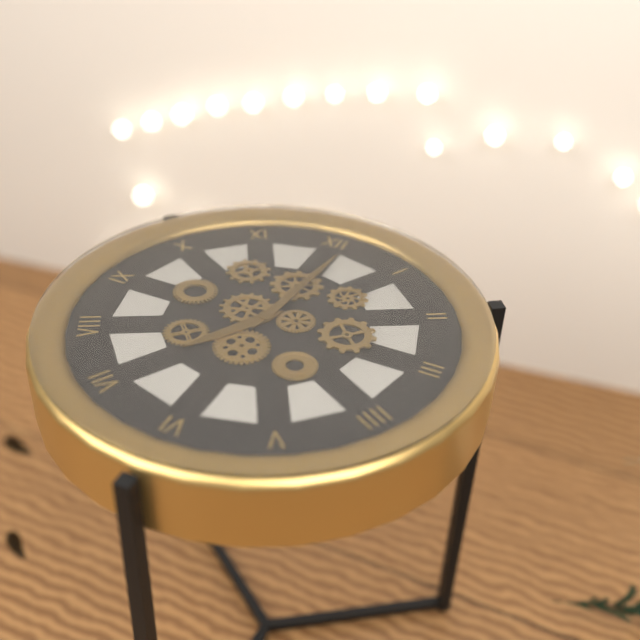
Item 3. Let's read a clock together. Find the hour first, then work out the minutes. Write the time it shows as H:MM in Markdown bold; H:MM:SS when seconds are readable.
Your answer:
**7:01**
